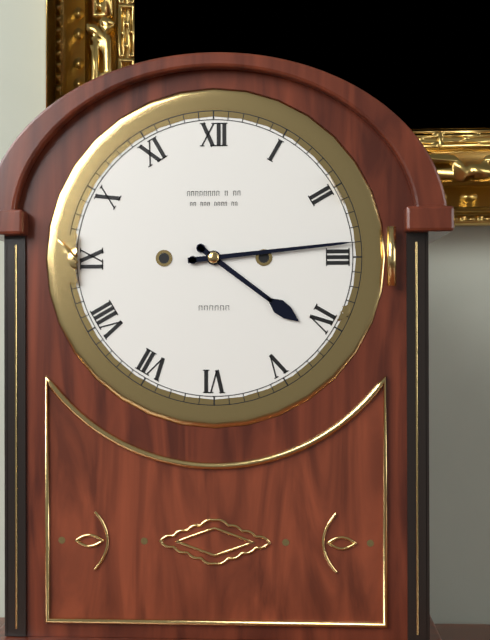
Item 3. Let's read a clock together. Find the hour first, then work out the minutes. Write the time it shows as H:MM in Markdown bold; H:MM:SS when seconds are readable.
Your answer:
**4:14**
